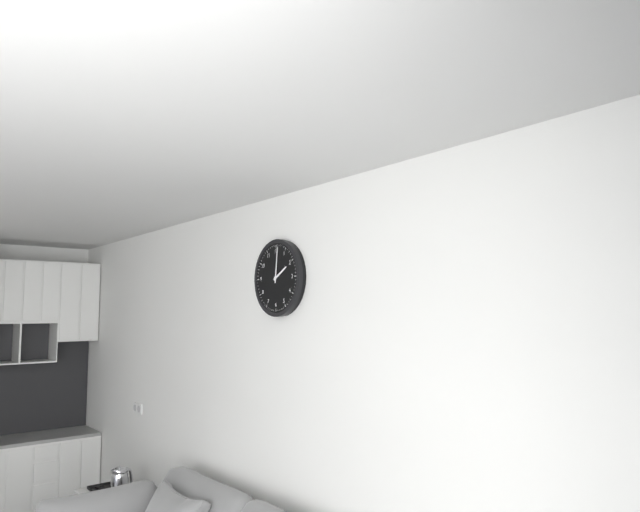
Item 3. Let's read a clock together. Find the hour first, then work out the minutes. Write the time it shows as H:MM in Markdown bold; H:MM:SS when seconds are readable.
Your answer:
**2:01**
